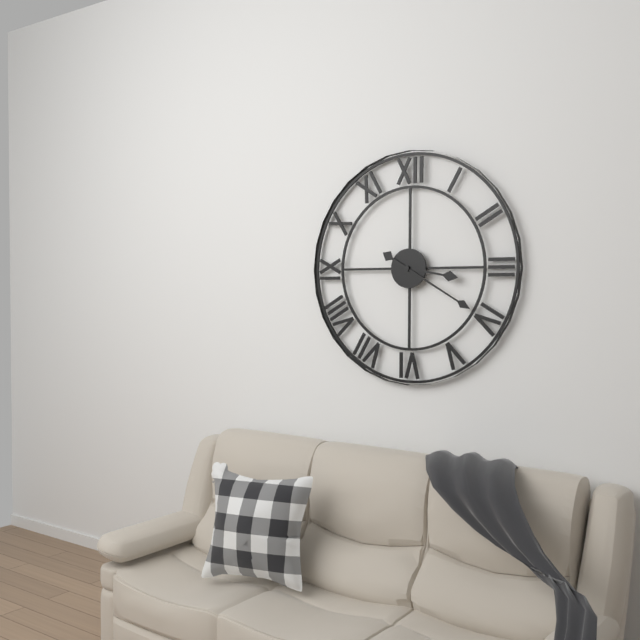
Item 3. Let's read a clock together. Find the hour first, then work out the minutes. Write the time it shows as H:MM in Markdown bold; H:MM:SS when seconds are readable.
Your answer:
**3:20**
